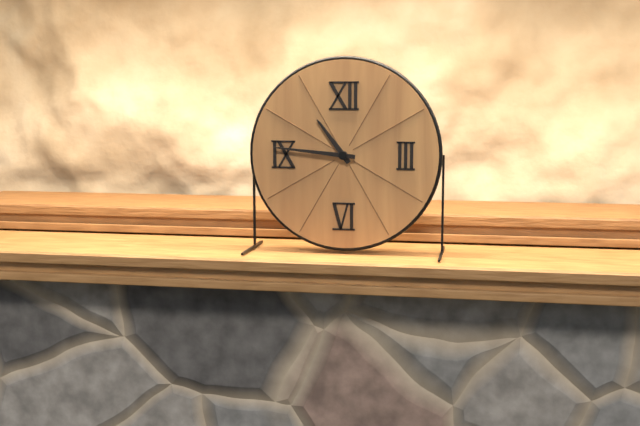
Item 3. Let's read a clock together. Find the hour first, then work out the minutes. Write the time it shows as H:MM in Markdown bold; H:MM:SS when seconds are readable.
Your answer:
**10:46**
